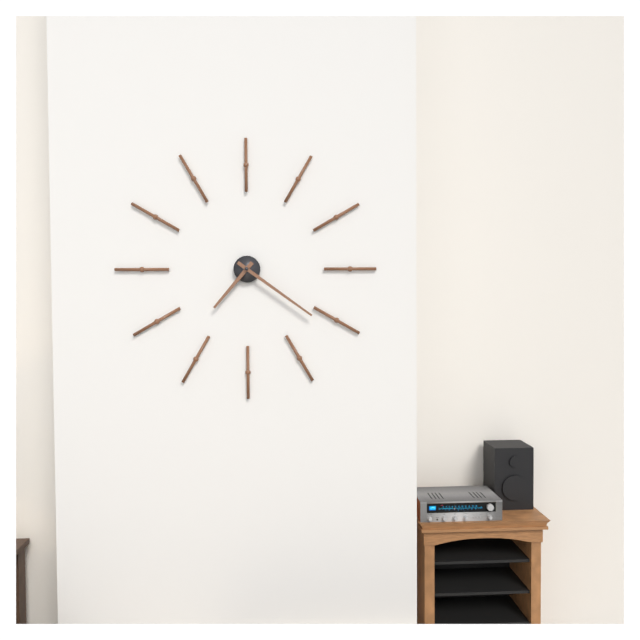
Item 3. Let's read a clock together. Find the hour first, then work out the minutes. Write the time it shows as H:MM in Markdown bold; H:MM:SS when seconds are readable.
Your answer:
**7:21**
